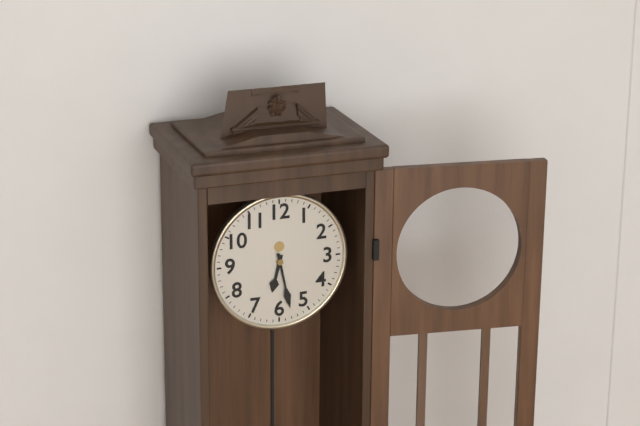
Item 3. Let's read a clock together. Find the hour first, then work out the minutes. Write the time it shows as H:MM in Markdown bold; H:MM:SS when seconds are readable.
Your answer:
**6:28**
